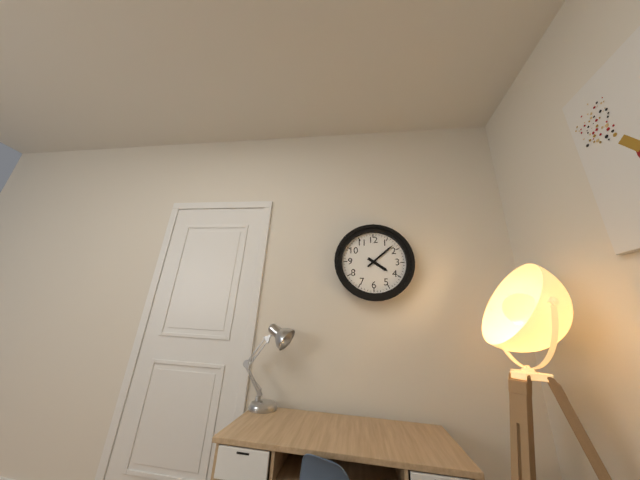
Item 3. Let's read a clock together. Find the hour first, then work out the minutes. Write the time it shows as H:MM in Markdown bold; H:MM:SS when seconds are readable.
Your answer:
**4:08**
